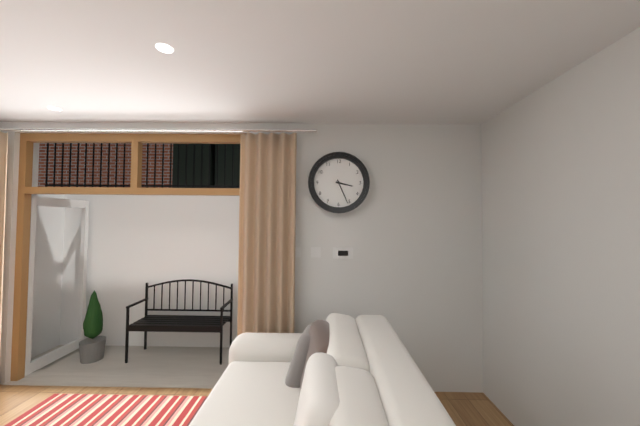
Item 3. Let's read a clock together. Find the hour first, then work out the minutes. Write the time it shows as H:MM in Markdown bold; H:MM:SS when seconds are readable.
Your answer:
**3:26**
